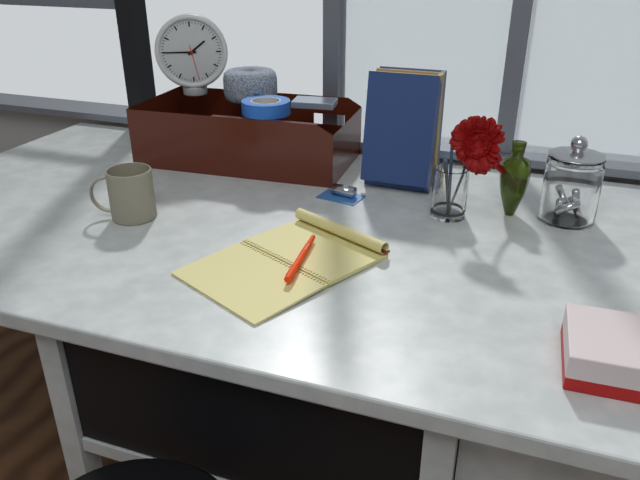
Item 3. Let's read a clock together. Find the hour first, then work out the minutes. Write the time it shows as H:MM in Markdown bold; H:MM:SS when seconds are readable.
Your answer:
**1:45**
